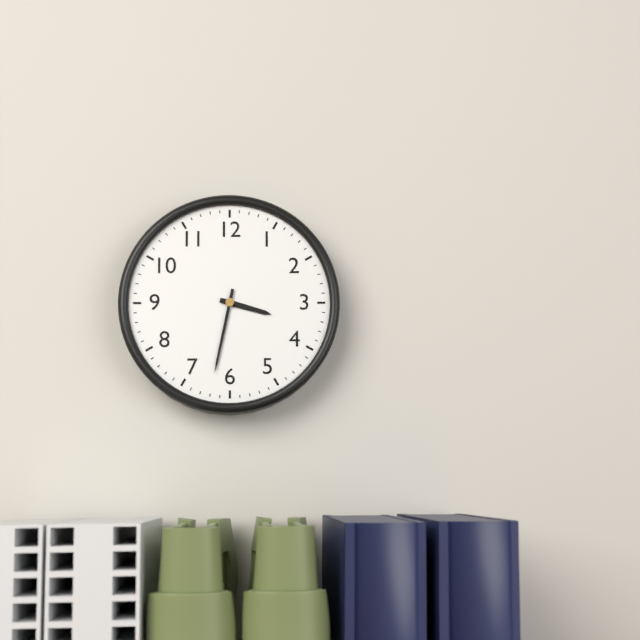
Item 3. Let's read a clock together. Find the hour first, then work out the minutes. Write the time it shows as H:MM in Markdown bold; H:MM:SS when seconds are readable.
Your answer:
**3:32**
